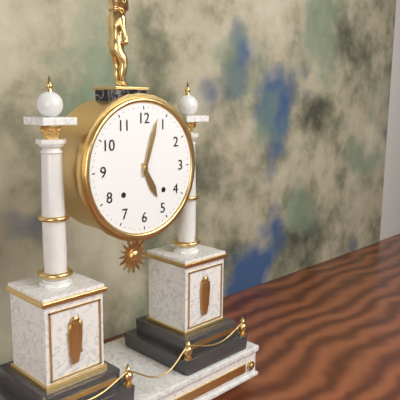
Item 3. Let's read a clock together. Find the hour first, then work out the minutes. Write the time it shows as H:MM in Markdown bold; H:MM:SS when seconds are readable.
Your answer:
**5:03**
